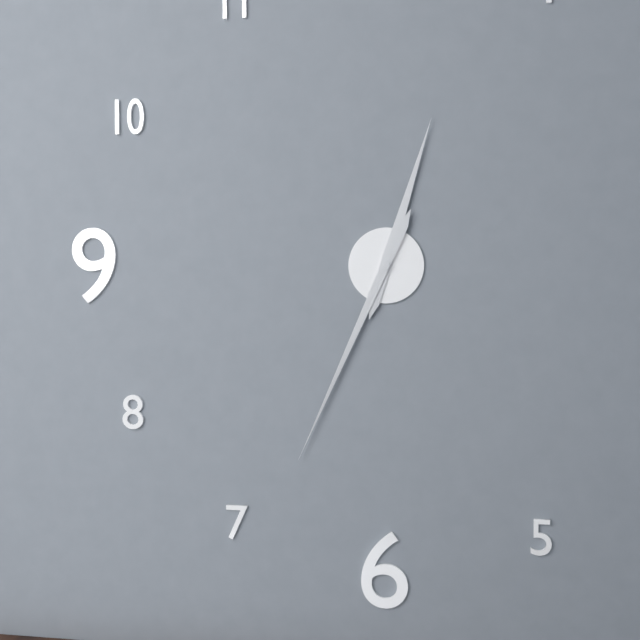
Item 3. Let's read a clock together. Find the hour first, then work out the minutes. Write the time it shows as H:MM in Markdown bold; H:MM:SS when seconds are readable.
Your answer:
**12:34**
